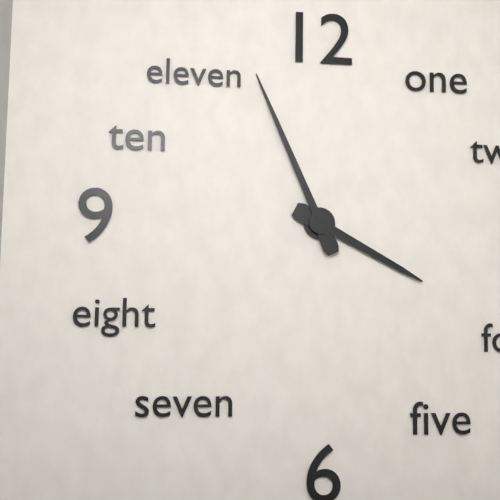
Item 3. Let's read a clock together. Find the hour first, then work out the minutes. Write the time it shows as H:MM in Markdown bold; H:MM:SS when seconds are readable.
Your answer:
**3:56**
